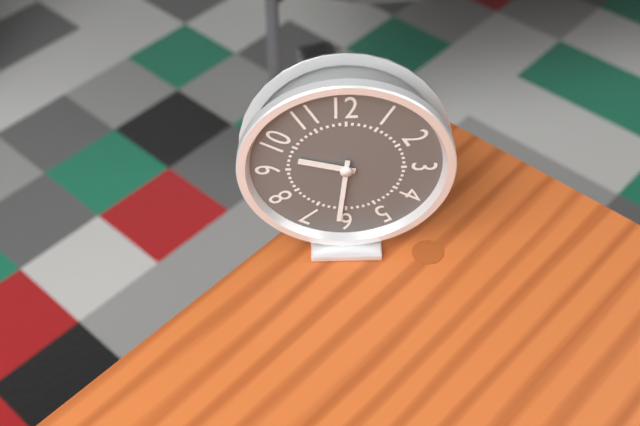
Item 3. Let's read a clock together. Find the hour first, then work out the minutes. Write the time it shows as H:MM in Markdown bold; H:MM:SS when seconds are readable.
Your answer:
**9:31**
